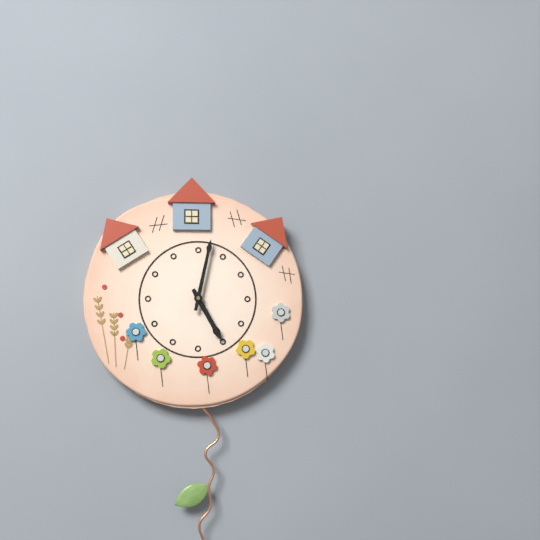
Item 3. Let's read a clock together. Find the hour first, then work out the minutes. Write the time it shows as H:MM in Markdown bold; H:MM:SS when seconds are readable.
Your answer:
**5:02**
